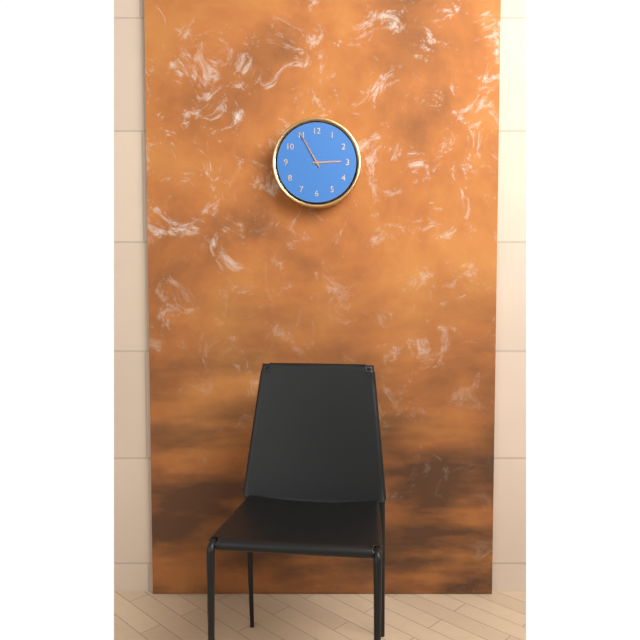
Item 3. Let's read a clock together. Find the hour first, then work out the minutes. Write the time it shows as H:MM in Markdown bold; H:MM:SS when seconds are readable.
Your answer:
**2:55**
